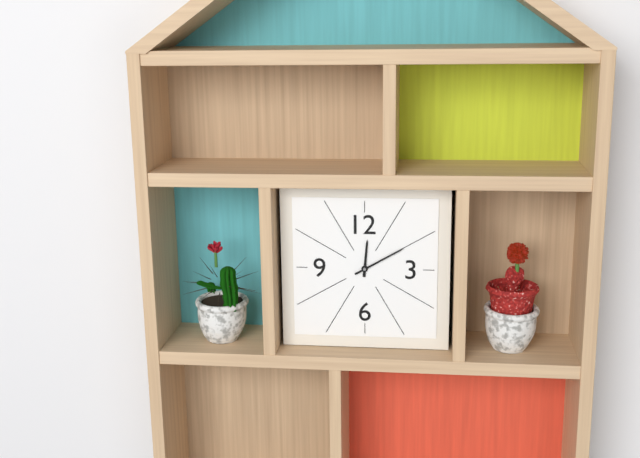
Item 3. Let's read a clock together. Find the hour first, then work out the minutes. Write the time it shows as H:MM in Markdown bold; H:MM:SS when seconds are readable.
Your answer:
**12:10**
